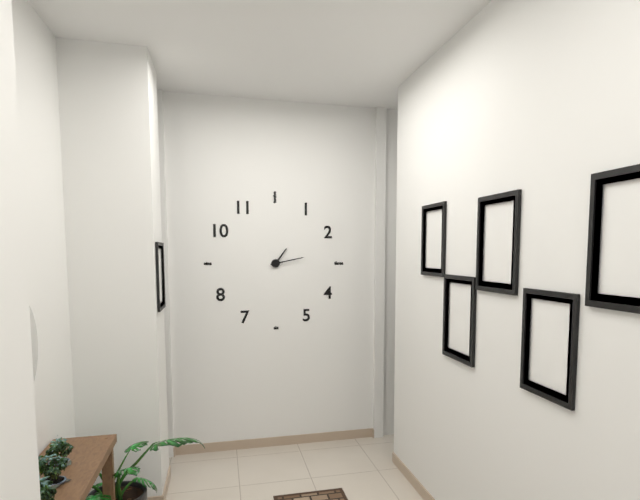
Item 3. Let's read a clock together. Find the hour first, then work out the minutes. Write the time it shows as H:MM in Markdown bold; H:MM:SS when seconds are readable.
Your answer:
**1:13**
